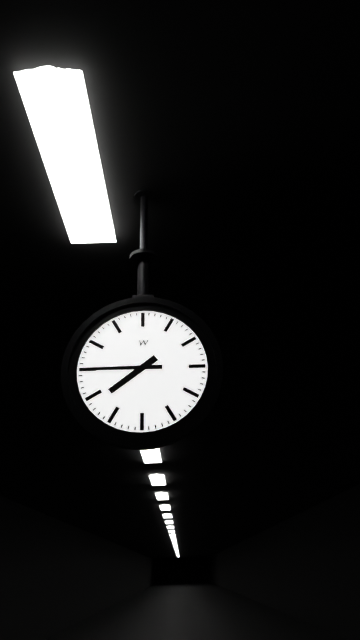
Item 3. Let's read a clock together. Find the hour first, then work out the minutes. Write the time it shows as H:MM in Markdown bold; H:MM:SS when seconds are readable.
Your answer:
**7:45**
